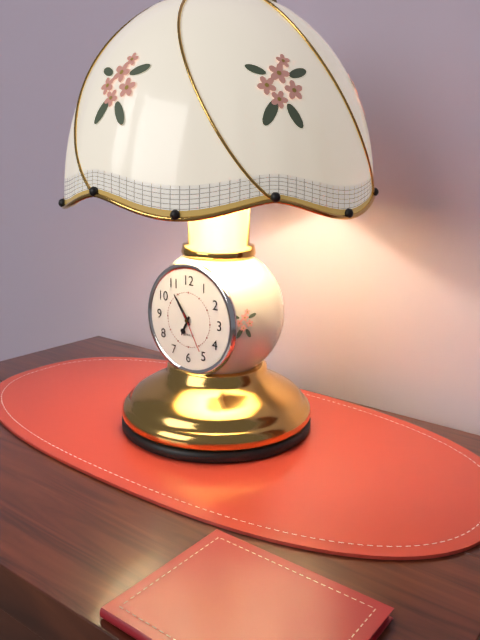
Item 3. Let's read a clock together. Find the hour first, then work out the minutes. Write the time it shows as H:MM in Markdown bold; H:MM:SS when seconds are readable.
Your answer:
**6:54**
